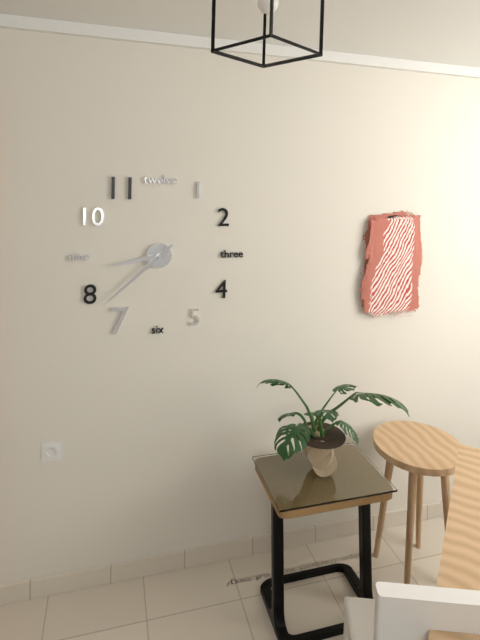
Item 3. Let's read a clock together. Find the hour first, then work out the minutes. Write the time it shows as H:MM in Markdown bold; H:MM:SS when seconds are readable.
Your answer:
**8:38**
